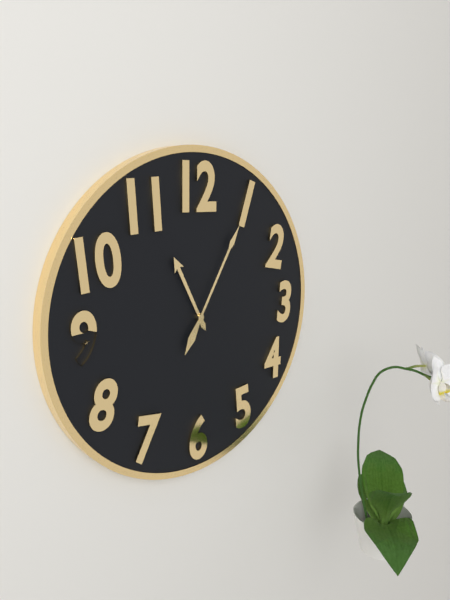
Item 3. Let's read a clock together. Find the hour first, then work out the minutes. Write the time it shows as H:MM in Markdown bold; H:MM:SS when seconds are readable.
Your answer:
**11:05**
